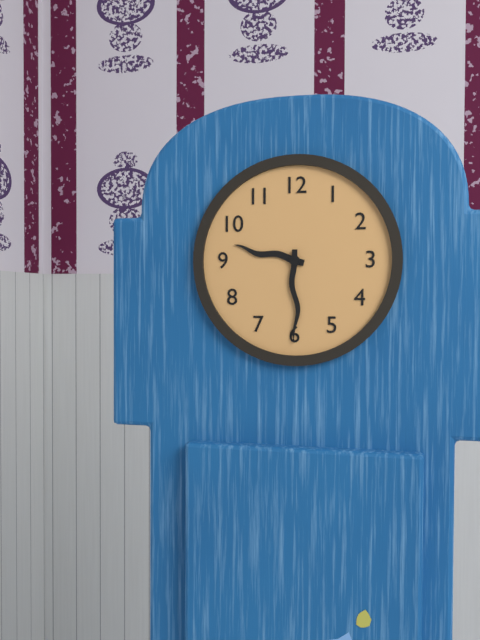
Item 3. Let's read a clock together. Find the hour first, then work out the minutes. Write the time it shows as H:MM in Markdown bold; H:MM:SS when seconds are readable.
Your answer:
**9:30**
